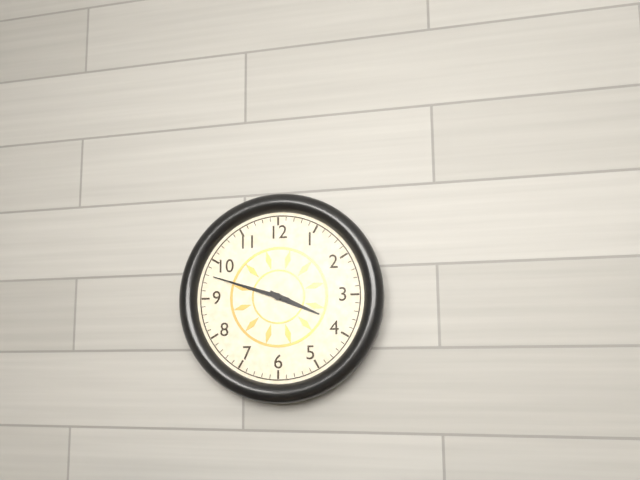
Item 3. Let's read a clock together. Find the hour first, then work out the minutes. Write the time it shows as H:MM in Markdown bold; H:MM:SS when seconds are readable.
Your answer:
**3:48**
